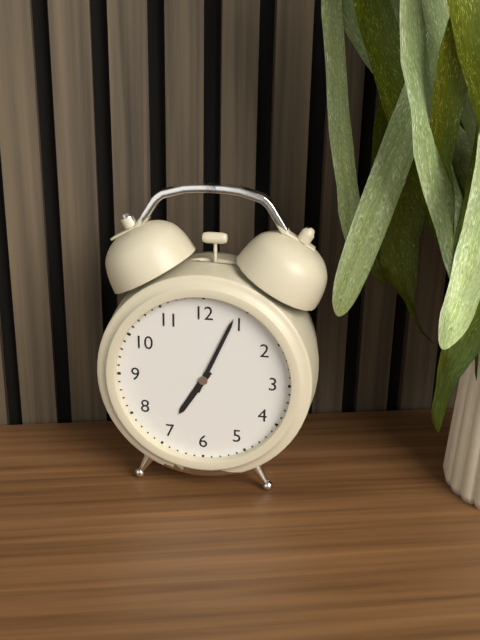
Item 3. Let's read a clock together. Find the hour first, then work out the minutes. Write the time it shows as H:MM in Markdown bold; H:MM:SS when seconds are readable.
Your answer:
**7:04**
